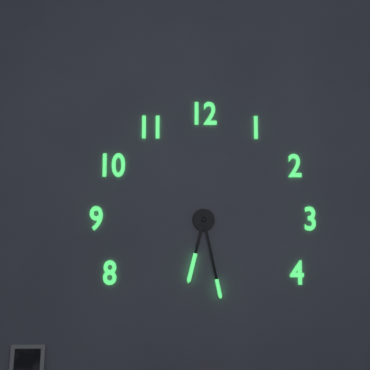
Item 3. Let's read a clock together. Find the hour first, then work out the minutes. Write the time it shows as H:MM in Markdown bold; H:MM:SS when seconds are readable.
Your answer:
**6:28**
